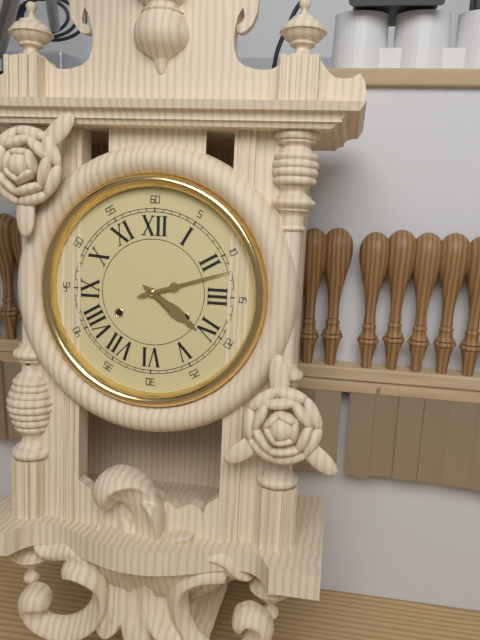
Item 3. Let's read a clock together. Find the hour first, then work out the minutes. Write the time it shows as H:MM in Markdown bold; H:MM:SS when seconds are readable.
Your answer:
**4:12**
